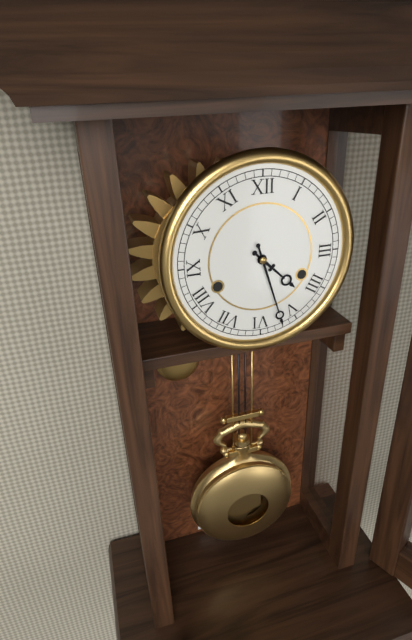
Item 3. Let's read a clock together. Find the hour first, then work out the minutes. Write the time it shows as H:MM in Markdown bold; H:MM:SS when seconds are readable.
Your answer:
**4:27**
